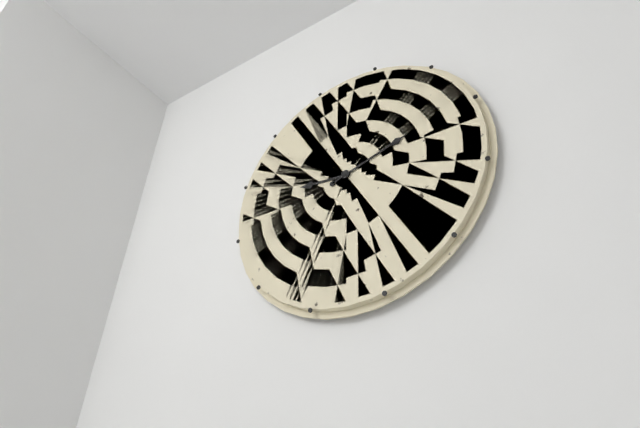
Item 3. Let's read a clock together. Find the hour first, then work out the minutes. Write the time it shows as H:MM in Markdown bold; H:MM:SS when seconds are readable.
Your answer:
**9:12**
